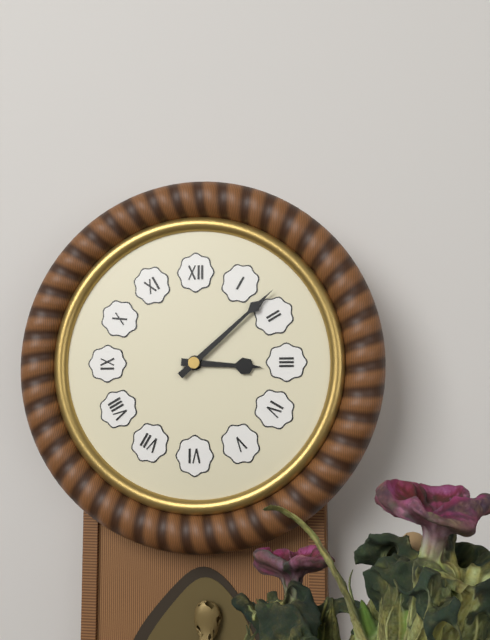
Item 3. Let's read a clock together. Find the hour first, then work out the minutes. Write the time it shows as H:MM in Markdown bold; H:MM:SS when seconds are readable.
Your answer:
**3:08**
